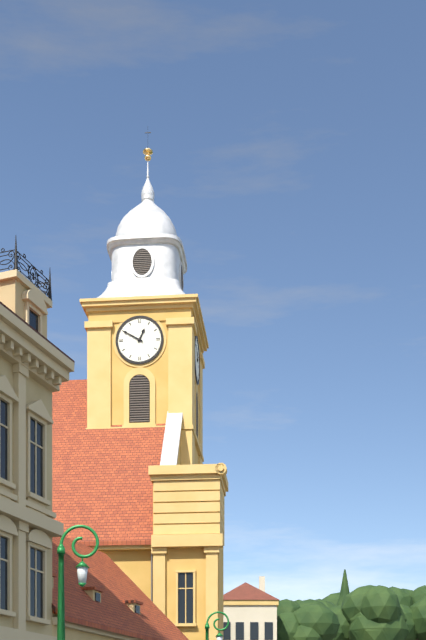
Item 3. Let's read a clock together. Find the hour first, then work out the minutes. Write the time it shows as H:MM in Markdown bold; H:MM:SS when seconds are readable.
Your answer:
**12:50**
